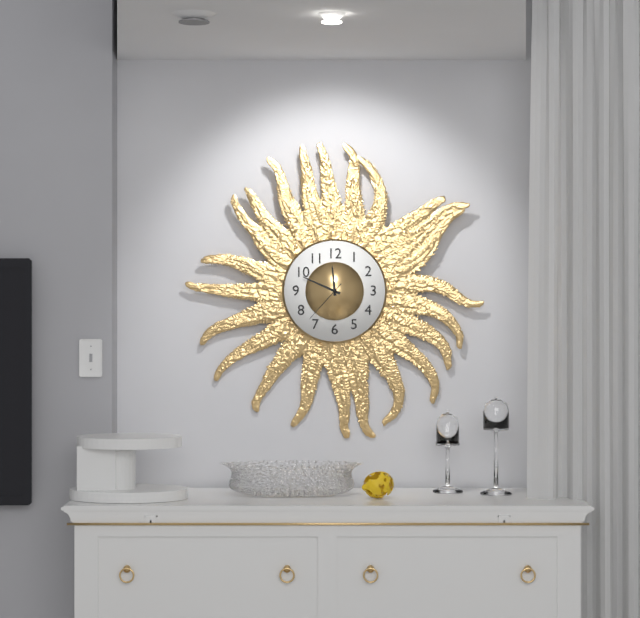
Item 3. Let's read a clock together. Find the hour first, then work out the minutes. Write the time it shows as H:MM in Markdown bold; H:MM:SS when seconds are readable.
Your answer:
**11:49**
